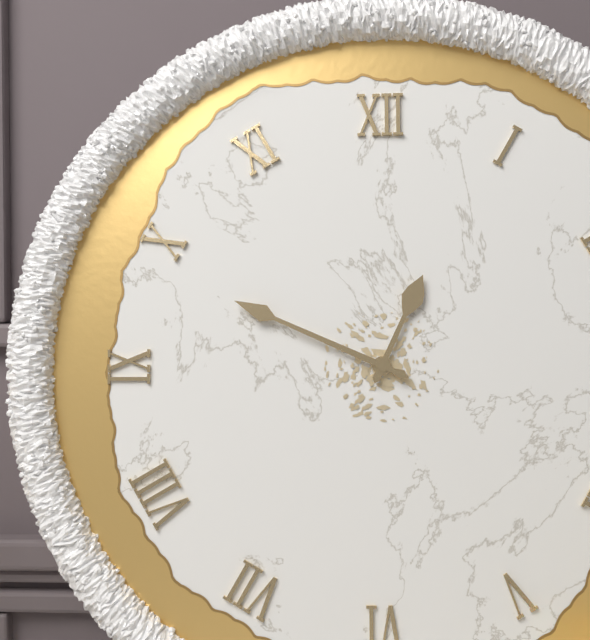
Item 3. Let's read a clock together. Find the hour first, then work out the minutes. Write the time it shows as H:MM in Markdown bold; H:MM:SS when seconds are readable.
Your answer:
**12:49**
